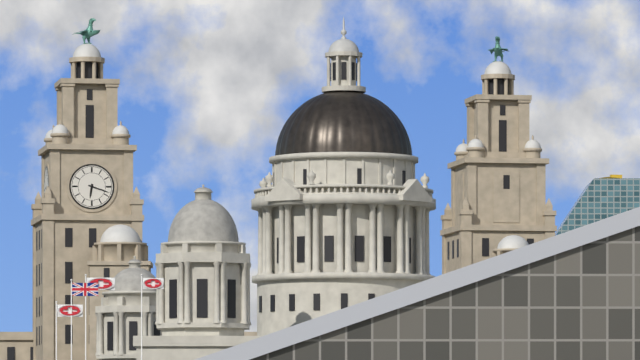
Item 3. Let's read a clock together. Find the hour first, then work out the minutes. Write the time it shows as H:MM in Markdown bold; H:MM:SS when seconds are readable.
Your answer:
**6:18**
